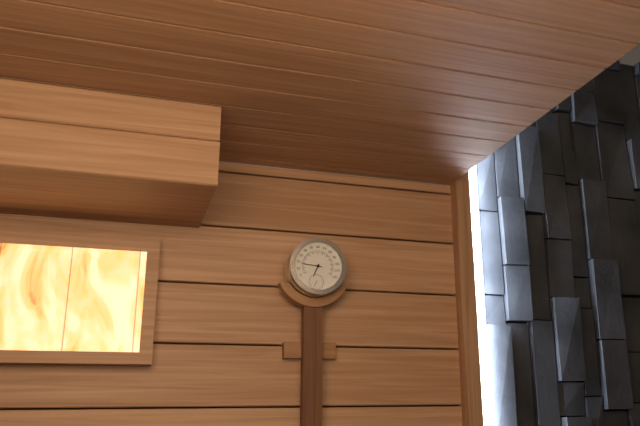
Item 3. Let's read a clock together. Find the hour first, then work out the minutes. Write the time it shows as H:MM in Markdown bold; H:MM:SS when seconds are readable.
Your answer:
**6:46**
